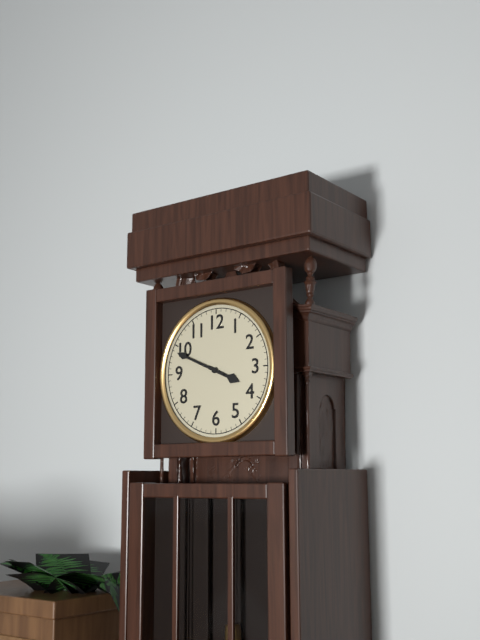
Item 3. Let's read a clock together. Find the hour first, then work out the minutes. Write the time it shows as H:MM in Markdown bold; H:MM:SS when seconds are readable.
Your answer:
**3:49**
